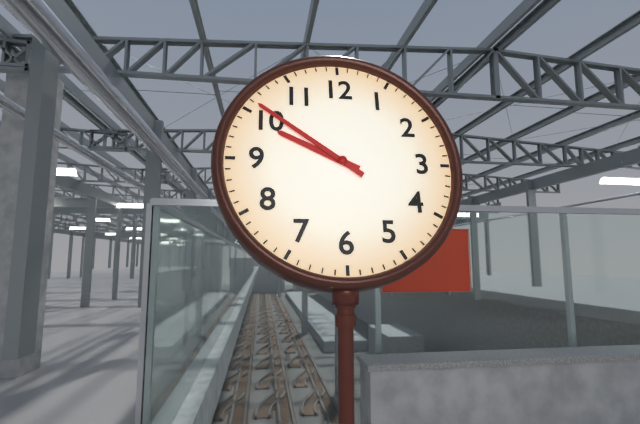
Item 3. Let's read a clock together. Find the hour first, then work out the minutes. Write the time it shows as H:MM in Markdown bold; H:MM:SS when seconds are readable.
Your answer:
**9:51**
